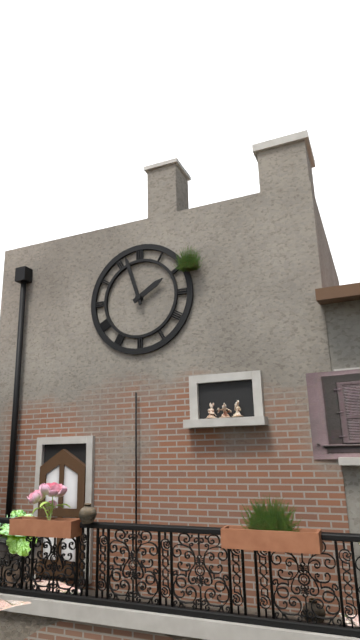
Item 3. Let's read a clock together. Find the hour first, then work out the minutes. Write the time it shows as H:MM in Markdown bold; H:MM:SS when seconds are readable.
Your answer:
**1:57**
